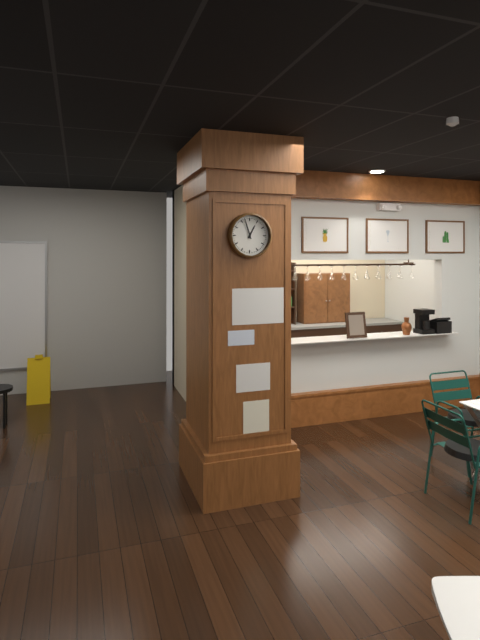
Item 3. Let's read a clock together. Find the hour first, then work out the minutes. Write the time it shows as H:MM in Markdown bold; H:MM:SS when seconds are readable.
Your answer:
**12:57**
